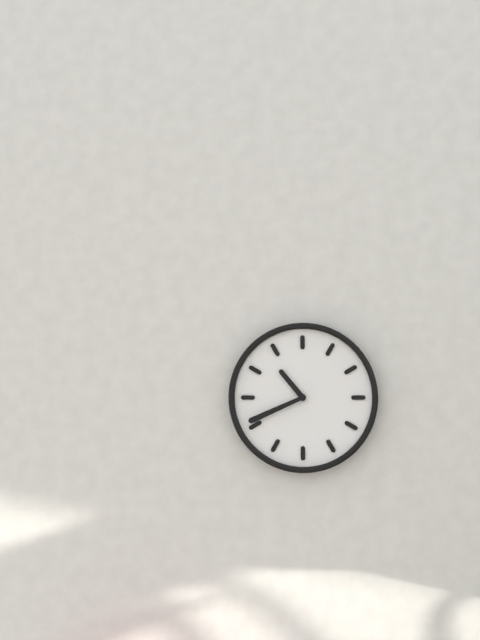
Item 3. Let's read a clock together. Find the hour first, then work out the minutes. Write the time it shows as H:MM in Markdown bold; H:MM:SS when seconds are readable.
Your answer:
**10:41**
